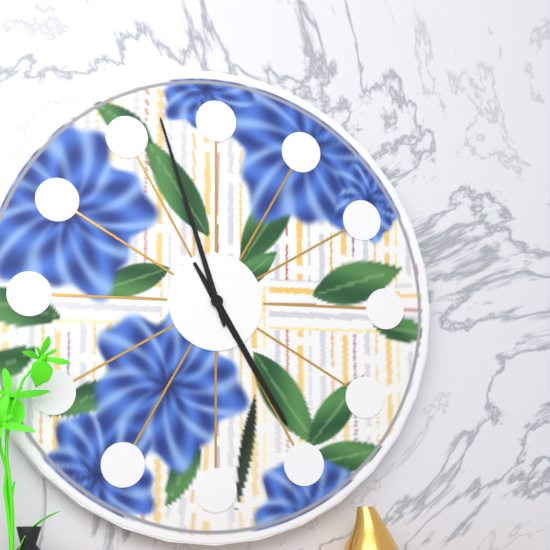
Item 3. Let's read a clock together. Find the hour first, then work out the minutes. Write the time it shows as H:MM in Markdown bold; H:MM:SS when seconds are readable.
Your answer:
**4:57**
